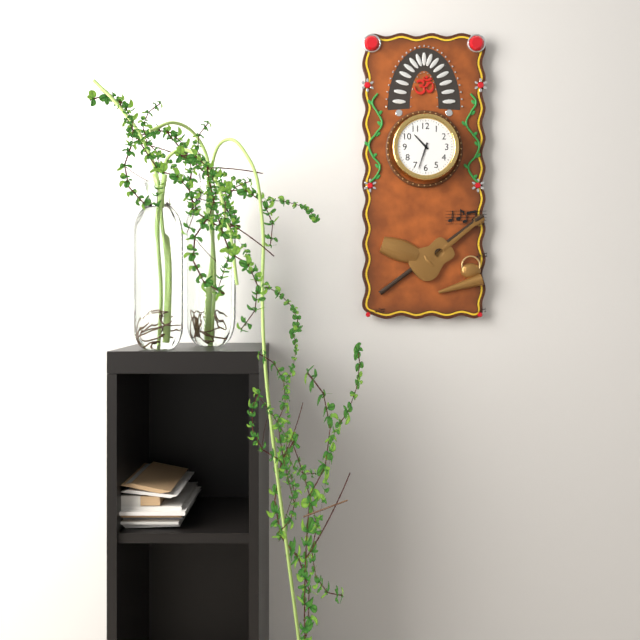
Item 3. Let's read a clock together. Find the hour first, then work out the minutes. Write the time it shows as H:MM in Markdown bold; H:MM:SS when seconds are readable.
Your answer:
**10:33**
